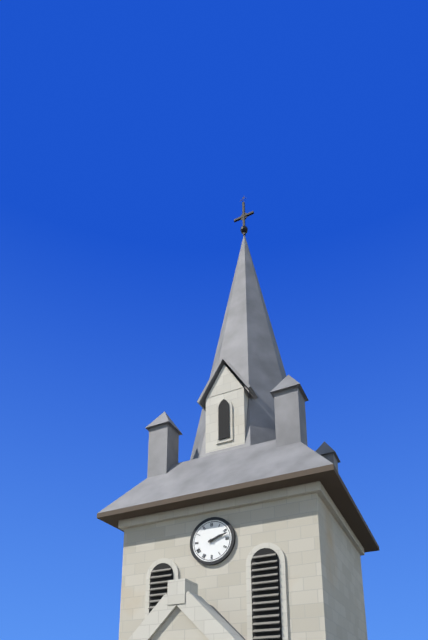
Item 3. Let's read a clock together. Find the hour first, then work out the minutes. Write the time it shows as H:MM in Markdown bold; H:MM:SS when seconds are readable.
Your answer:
**2:12**
